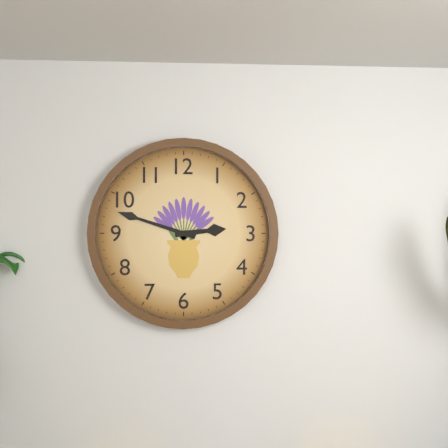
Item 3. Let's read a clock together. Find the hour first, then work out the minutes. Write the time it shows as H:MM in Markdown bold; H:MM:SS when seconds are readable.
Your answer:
**2:48**
